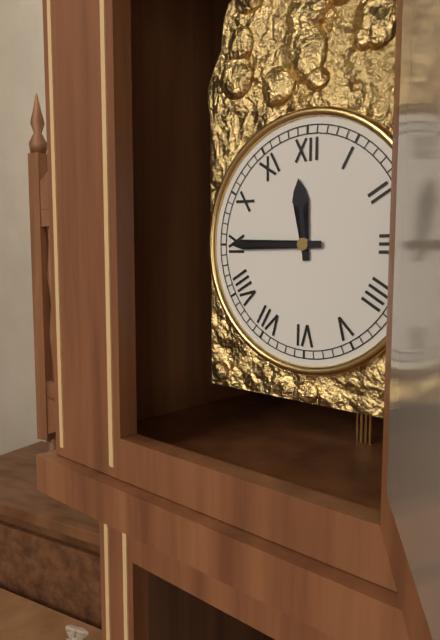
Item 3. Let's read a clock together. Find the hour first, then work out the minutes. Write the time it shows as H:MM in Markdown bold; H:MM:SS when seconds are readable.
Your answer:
**11:45**
